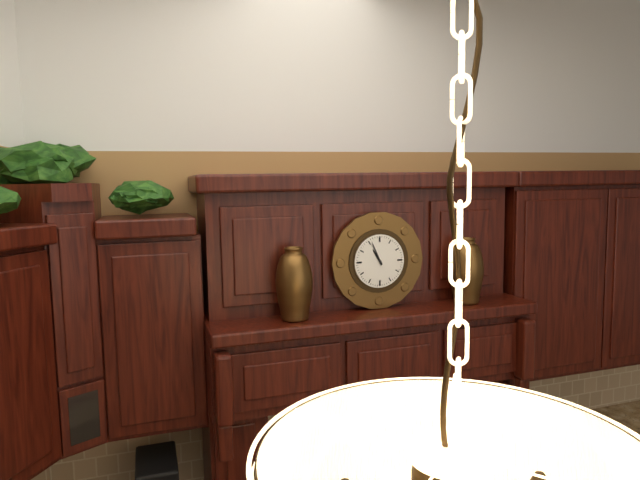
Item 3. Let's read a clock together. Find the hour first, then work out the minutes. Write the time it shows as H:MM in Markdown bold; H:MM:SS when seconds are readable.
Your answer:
**10:56**
